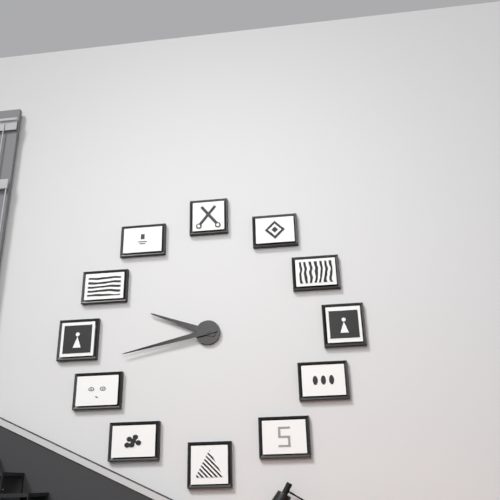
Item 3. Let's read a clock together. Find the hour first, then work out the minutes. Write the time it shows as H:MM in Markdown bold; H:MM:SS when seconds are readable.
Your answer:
**9:43**
